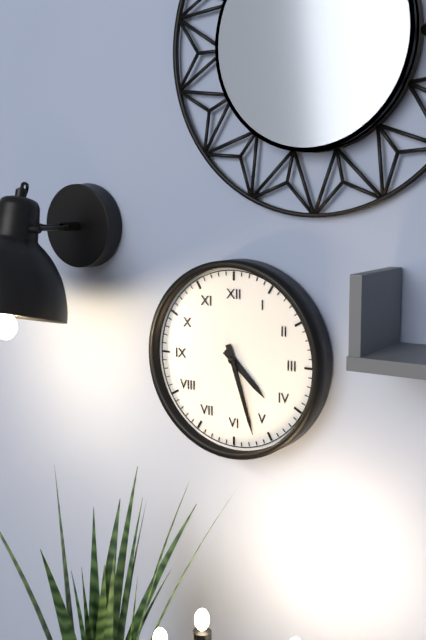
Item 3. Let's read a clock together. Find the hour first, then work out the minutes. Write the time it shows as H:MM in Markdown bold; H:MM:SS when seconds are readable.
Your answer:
**4:27**
